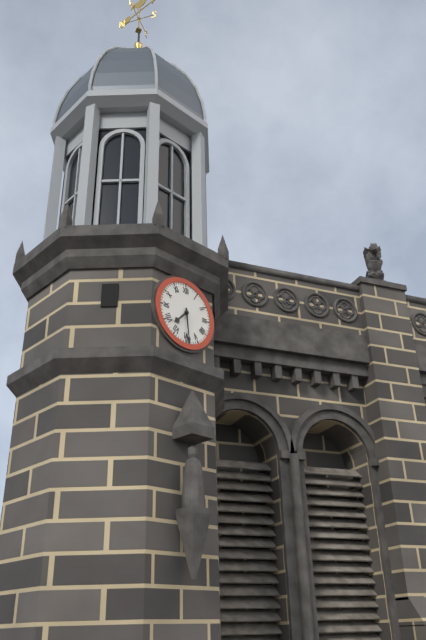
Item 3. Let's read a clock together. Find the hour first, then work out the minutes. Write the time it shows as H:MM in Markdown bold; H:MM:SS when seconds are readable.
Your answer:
**7:29**
